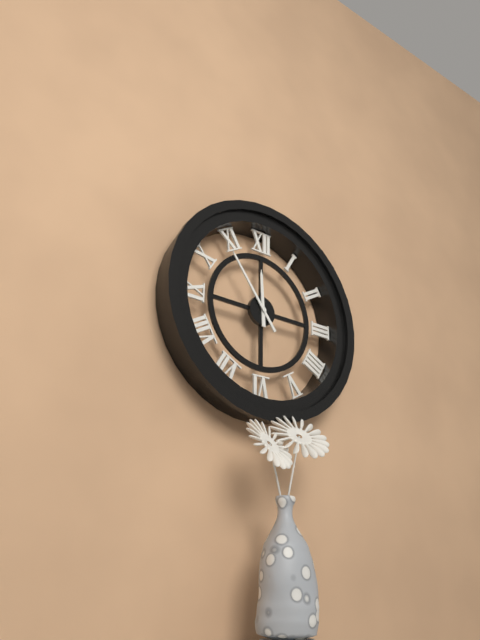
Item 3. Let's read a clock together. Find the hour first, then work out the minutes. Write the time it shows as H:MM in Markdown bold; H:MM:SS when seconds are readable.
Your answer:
**11:54**
